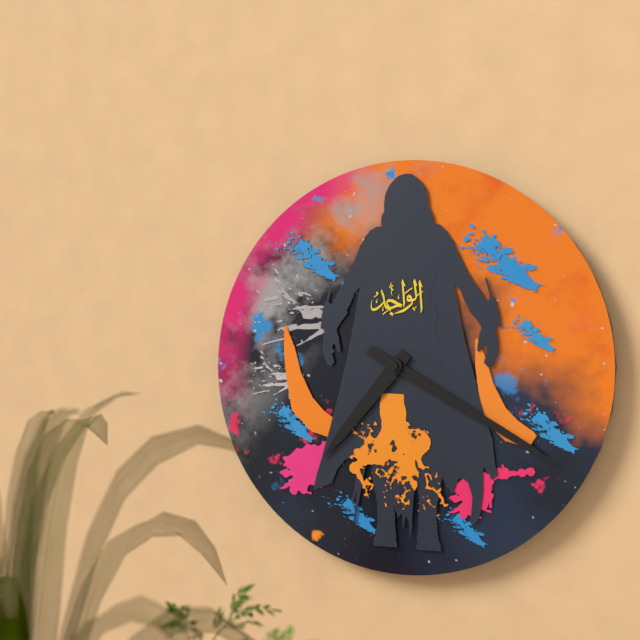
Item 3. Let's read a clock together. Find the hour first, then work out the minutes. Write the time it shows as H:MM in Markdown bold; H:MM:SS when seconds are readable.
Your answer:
**7:20**
